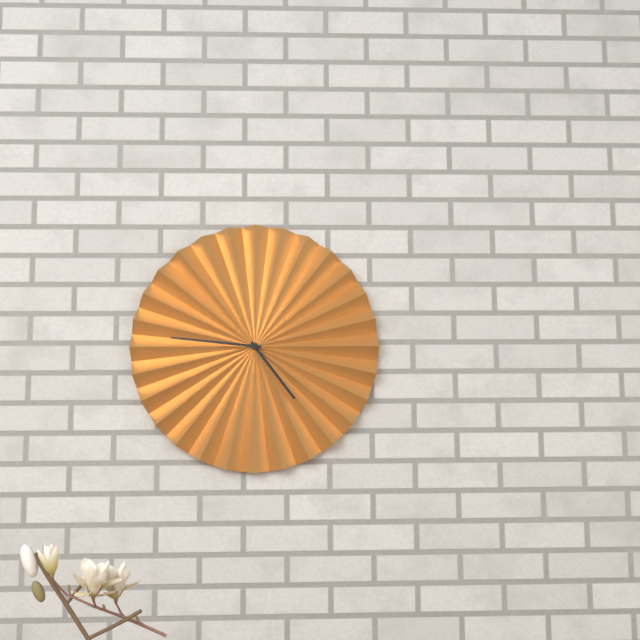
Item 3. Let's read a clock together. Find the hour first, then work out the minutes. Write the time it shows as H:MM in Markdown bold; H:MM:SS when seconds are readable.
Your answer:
**4:46**
